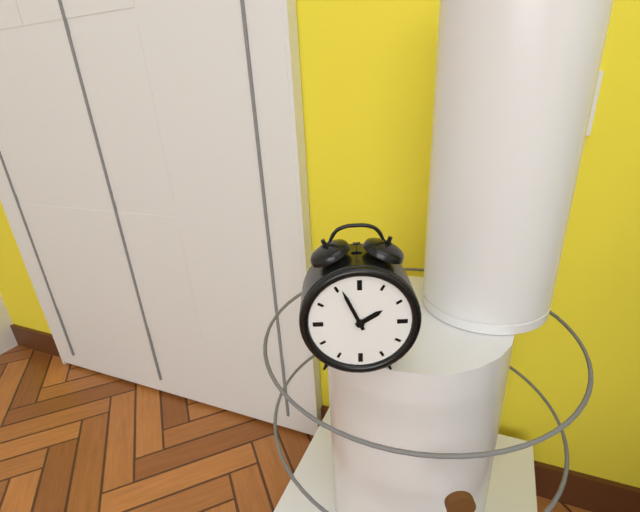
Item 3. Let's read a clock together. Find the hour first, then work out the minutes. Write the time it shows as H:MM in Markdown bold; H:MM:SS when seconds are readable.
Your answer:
**1:56**
